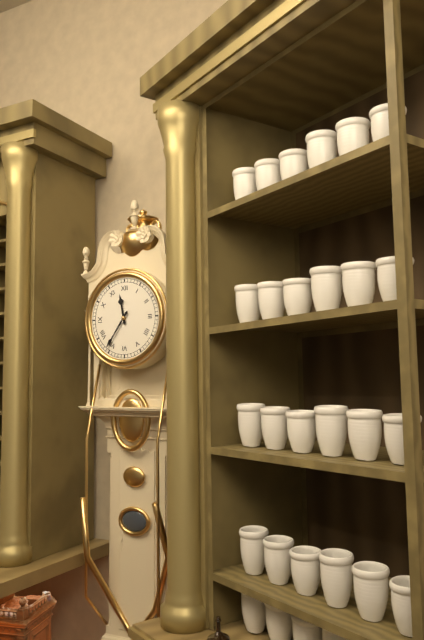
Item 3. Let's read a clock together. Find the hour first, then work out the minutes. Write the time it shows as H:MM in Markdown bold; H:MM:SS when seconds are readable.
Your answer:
**11:36**
